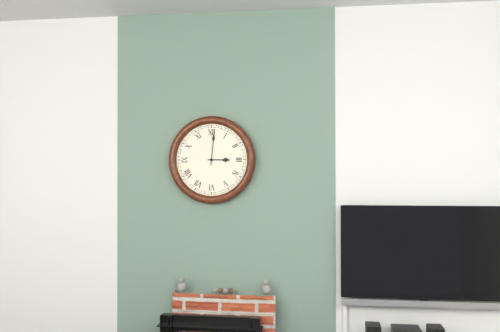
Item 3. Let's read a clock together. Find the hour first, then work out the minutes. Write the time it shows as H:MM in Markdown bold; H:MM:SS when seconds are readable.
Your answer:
**3:01**
